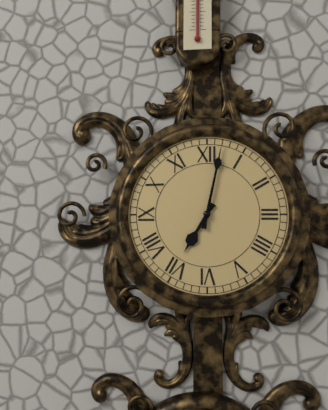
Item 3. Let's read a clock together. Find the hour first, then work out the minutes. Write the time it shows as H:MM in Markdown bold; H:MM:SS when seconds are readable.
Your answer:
**7:02**
